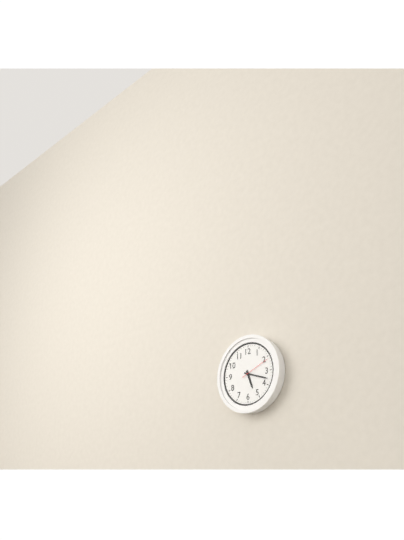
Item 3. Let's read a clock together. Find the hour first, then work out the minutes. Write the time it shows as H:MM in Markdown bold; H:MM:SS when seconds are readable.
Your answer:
**5:18**
